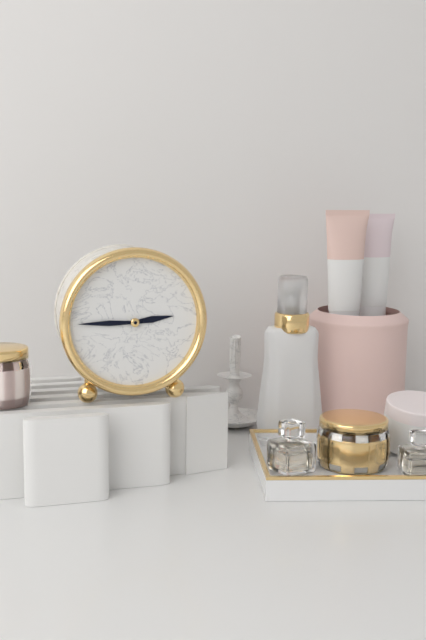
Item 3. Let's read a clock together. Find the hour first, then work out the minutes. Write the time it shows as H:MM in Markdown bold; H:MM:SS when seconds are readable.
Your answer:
**2:45**
